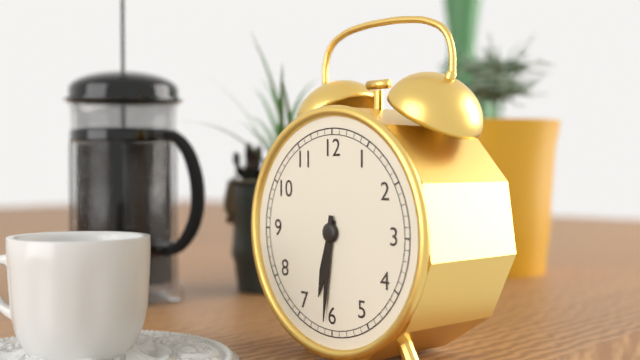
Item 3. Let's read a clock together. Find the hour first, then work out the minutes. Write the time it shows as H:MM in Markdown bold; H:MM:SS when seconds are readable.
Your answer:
**6:31**
